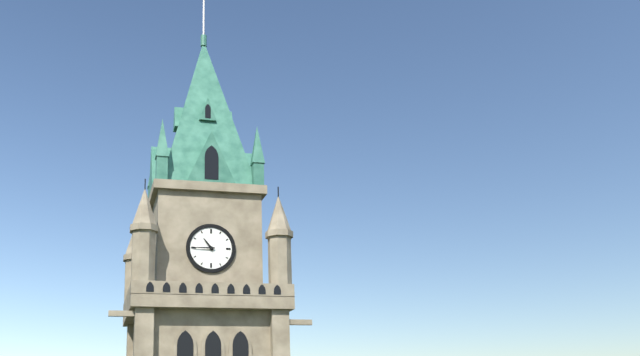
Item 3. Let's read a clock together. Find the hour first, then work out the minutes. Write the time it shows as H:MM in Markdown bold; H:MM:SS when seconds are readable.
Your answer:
**10:45**
